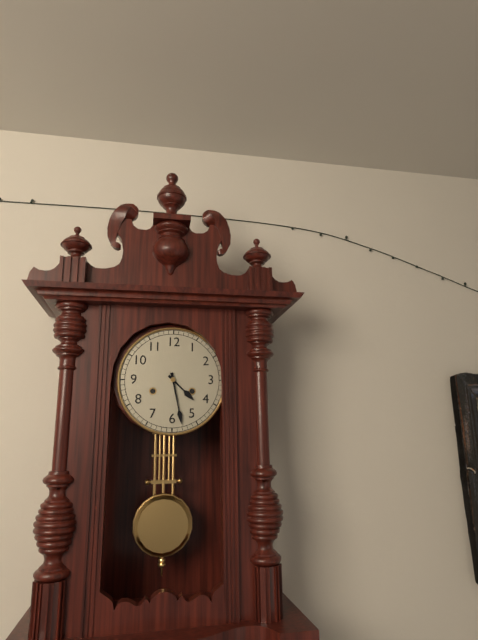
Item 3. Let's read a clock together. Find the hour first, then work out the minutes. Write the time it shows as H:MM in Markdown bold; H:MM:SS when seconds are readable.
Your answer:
**4:28**
